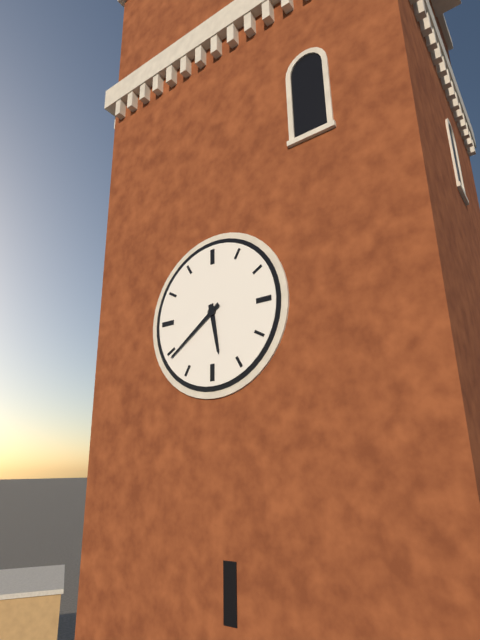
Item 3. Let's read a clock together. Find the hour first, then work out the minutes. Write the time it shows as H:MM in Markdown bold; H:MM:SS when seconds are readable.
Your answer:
**5:39**
